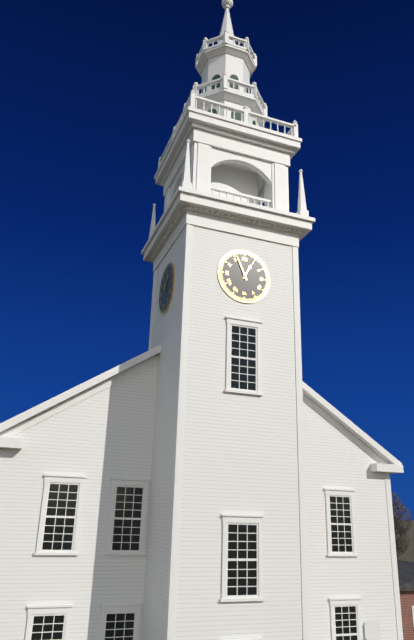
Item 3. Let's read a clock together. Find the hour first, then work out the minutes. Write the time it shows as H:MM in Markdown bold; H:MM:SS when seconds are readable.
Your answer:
**12:56**
